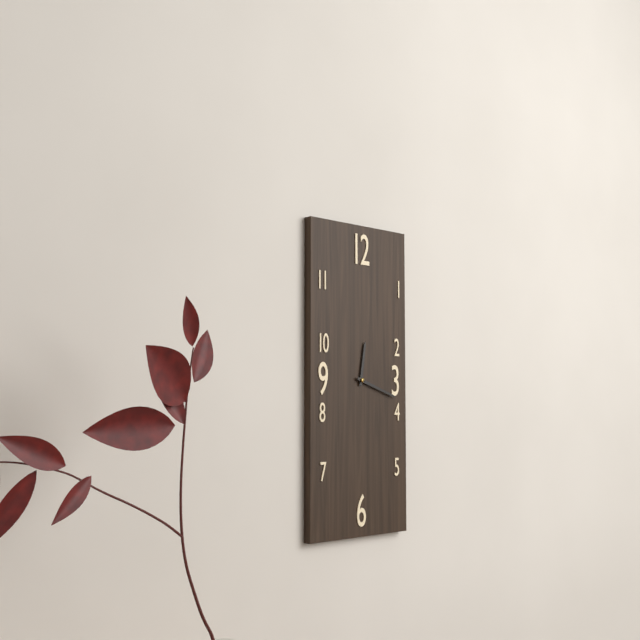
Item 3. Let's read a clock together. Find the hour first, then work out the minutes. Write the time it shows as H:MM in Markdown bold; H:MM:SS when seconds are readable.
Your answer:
**12:18**
